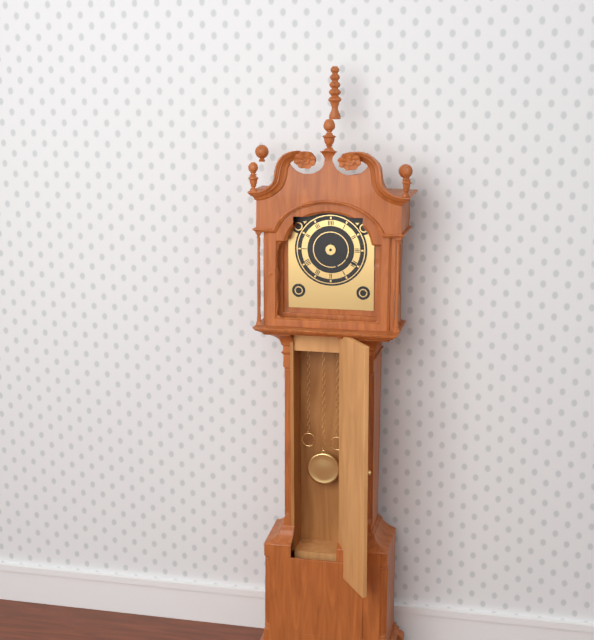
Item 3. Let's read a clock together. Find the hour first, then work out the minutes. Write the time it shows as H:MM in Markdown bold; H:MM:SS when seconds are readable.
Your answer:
**5:20**
